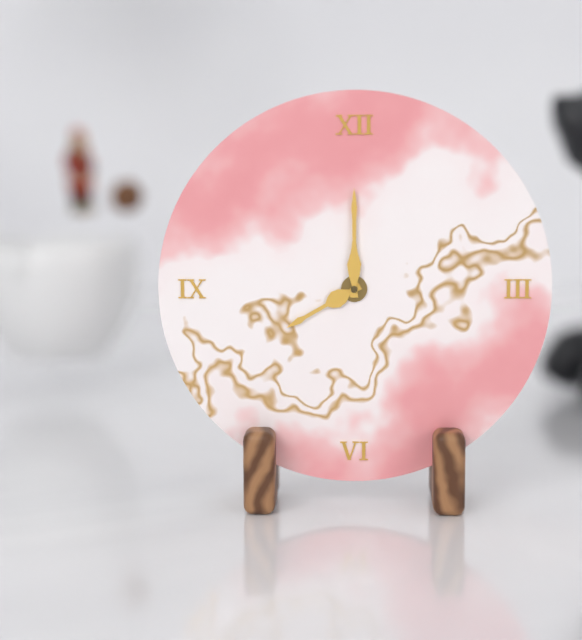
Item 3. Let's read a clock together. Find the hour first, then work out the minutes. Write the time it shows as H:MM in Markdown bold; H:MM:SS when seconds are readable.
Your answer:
**8:00**
